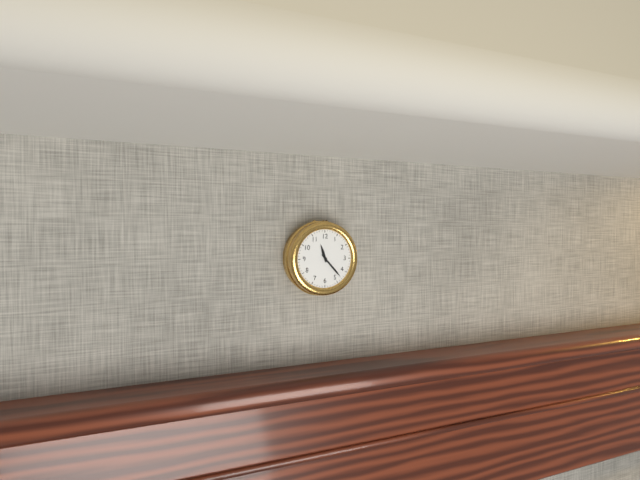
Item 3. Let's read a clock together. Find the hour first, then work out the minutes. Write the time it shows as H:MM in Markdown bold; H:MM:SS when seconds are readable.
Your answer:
**11:23**
